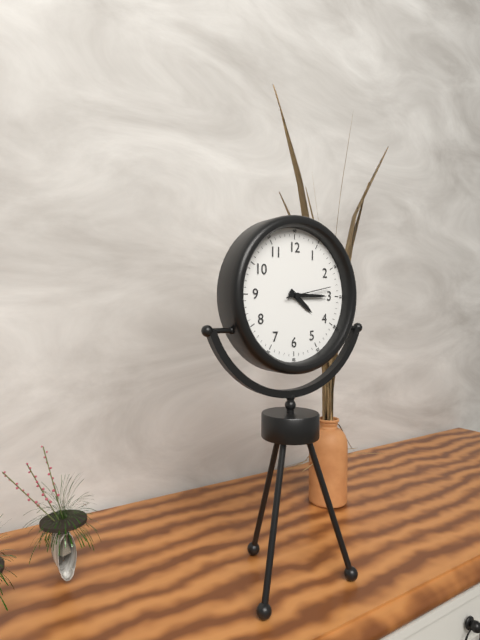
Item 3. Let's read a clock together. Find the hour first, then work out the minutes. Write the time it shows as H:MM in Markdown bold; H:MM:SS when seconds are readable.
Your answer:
**4:15**
